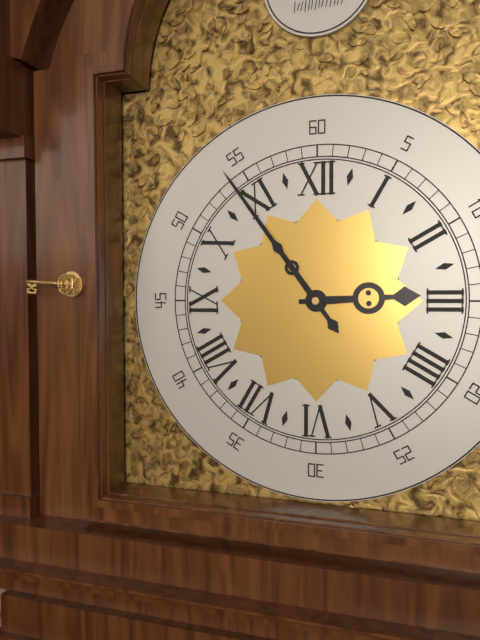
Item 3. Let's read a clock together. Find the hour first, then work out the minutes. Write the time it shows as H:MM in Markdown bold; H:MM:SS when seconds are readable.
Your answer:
**2:54**
